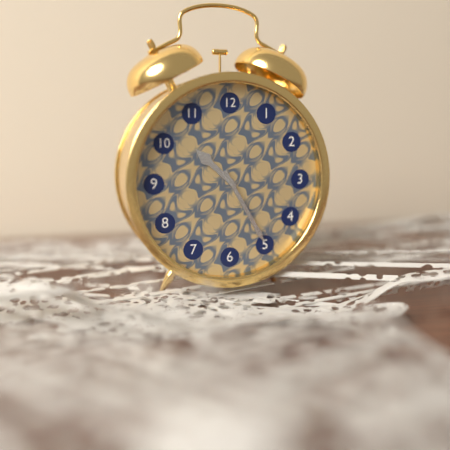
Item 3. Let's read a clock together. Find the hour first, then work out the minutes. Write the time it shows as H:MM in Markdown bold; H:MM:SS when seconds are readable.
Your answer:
**10:25**
